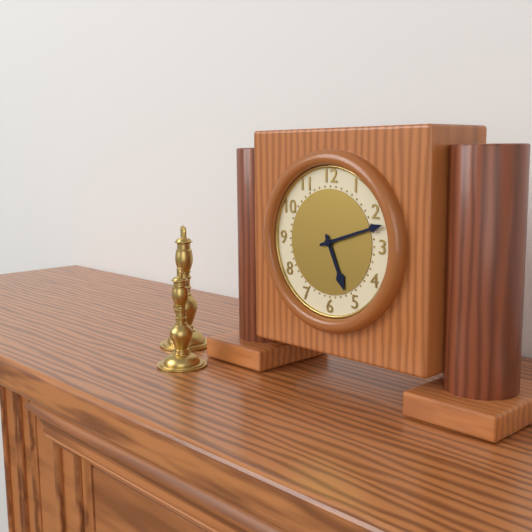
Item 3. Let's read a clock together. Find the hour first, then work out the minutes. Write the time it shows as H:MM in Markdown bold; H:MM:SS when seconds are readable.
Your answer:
**5:12**
